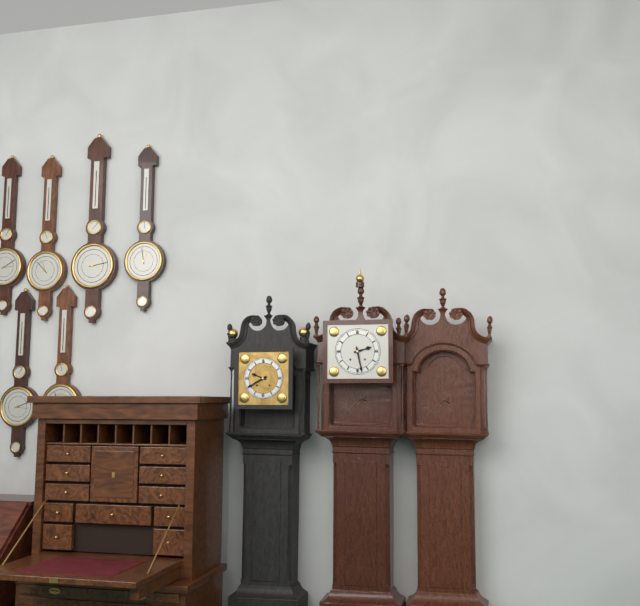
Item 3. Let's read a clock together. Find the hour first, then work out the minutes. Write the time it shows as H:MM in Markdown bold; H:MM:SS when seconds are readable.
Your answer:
**2:28**
